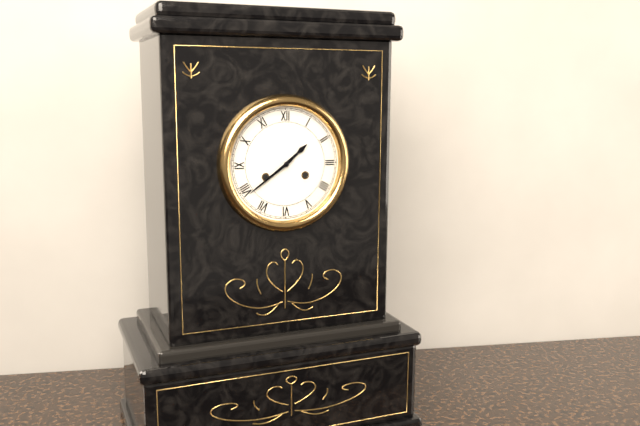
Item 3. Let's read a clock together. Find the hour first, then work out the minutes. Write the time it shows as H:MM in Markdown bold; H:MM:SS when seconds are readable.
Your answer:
**1:39**
